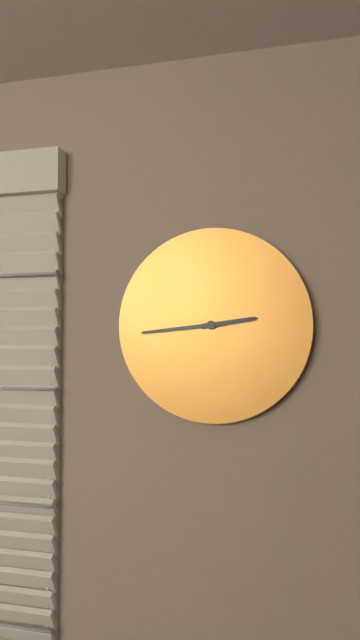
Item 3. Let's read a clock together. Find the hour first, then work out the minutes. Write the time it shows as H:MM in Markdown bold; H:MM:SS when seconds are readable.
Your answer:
**2:44**
